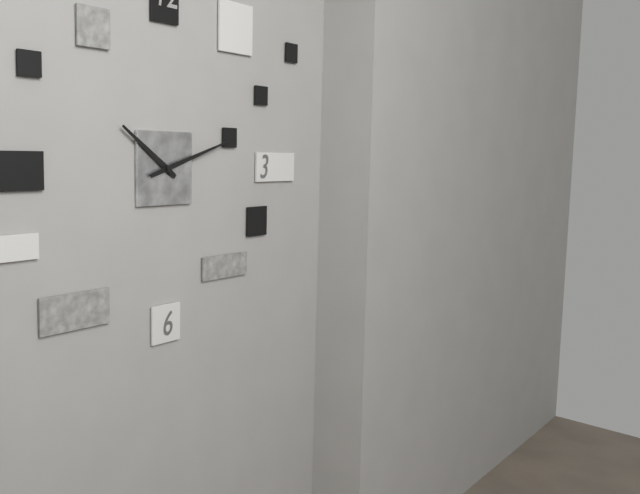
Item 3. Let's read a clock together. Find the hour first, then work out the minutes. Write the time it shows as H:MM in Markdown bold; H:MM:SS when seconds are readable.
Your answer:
**10:12**
